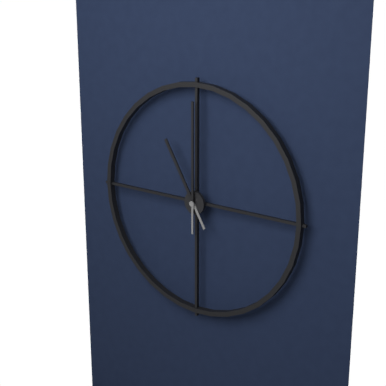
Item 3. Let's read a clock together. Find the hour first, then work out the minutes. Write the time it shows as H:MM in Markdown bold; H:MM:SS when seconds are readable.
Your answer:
**11:00**
